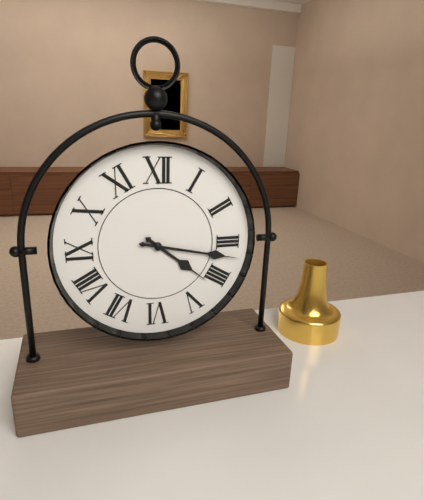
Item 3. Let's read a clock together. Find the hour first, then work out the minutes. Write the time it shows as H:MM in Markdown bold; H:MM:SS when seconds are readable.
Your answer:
**4:17**
